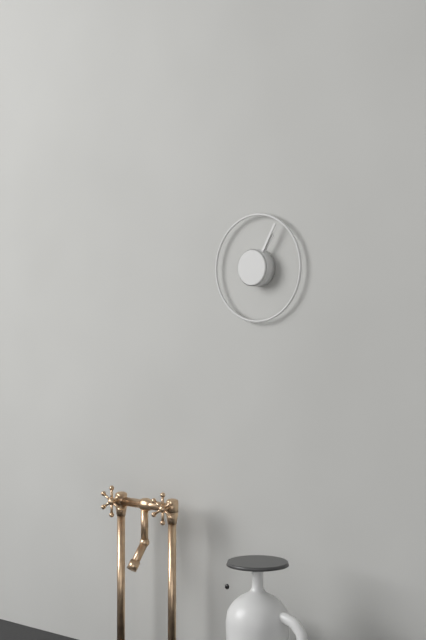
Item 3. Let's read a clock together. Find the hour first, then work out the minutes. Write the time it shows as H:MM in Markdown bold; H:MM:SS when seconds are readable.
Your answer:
**1:05**
